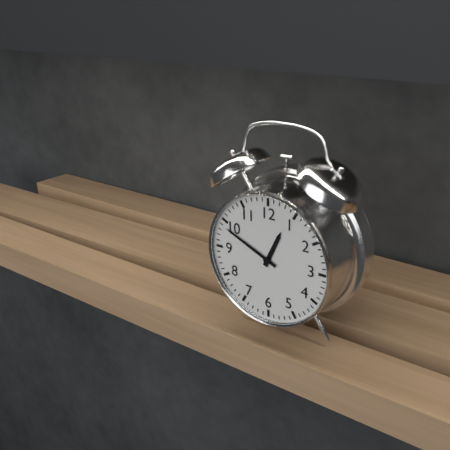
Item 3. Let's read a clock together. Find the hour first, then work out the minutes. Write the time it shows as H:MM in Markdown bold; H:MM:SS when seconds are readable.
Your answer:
**12:49**
